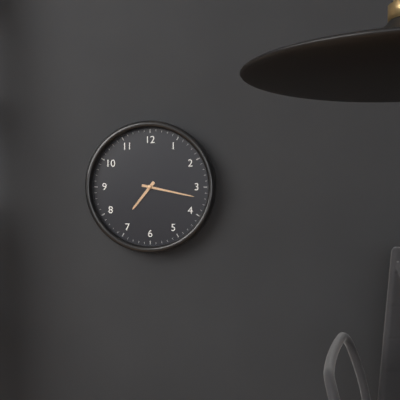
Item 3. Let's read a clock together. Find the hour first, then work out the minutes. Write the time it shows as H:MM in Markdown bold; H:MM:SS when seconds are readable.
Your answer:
**7:17**
